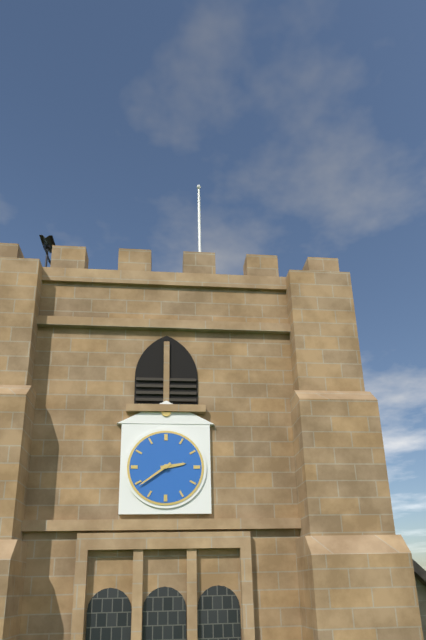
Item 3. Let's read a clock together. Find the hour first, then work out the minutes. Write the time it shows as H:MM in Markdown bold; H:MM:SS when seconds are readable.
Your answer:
**2:39**
